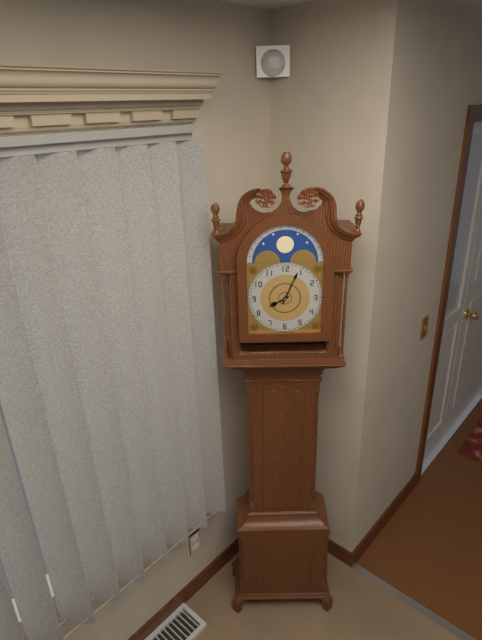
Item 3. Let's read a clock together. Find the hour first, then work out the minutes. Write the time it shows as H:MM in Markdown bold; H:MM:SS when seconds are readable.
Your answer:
**8:04**
